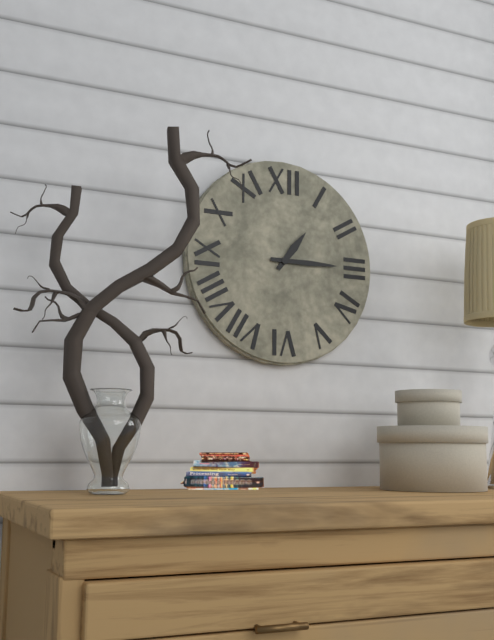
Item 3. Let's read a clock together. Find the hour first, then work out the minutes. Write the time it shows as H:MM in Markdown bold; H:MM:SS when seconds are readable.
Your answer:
**1:15**
